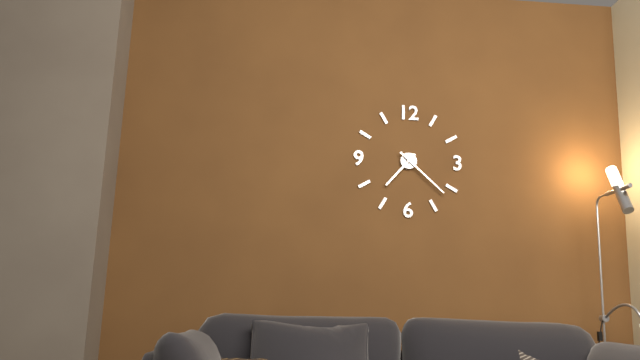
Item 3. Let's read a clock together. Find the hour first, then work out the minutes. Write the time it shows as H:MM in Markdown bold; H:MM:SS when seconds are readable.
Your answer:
**7:22**
